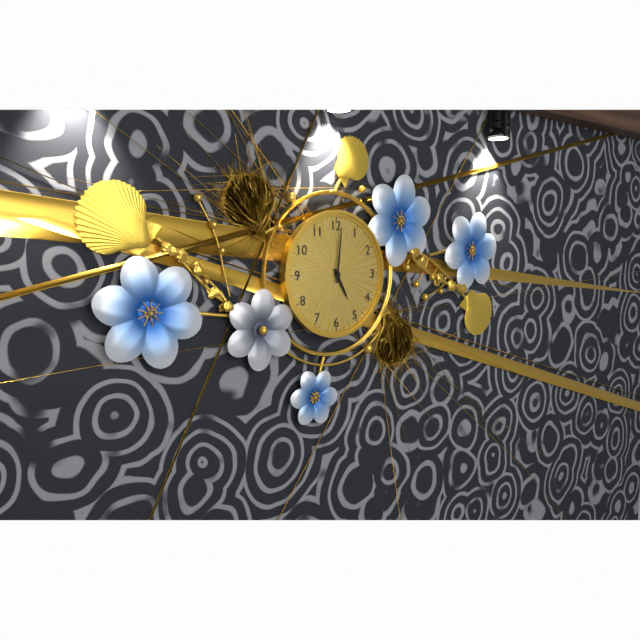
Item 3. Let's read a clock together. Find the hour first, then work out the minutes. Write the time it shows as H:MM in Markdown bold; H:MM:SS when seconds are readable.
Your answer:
**5:01**
